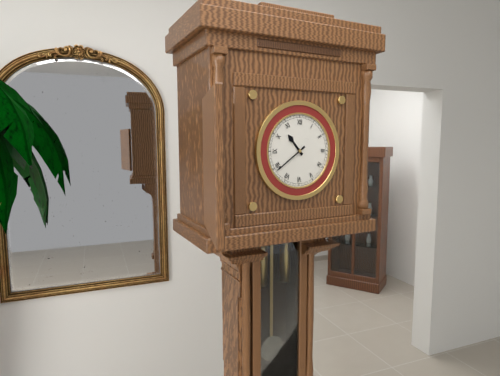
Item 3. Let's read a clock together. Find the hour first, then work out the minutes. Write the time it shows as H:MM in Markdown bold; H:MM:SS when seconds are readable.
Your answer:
**10:39**
